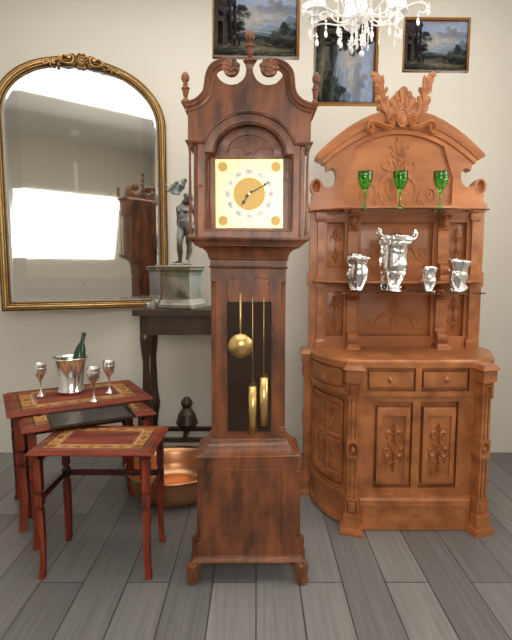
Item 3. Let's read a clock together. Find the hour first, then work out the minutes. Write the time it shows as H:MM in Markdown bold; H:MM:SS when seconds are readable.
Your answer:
**7:10**
